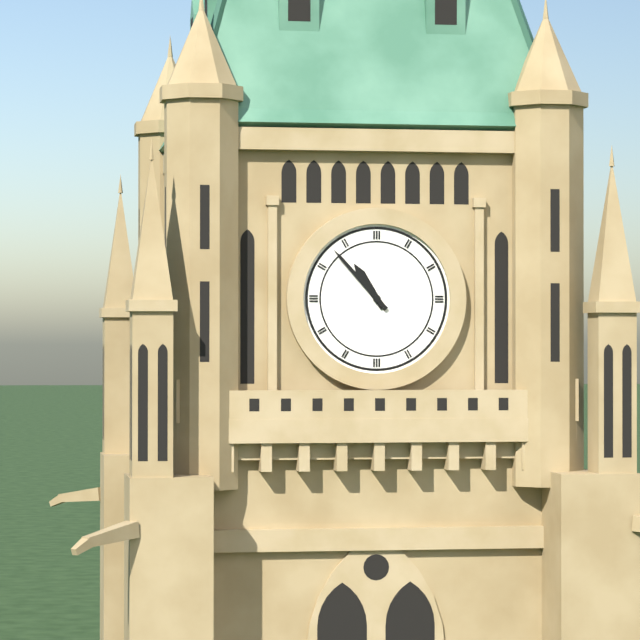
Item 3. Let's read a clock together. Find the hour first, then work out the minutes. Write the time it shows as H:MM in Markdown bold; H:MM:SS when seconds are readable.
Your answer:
**10:53**
